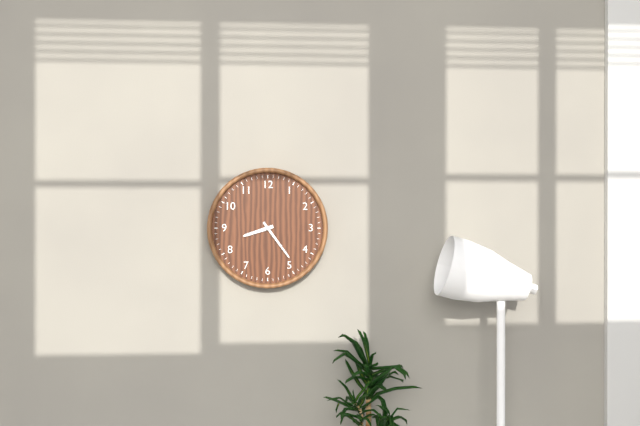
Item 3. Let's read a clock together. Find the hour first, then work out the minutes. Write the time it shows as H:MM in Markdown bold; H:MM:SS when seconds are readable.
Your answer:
**8:24**
